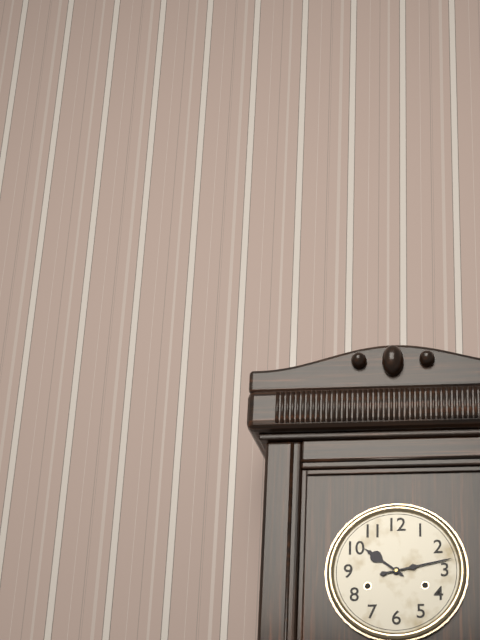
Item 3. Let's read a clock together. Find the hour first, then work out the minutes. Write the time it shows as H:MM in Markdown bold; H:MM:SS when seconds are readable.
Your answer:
**10:13**
